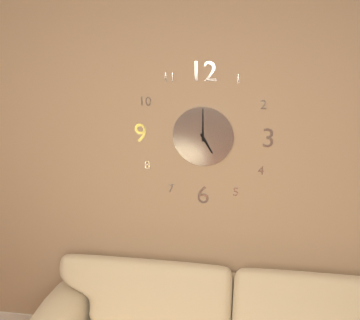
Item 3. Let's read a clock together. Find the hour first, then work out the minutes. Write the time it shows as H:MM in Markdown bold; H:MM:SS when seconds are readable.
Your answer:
**5:00**
